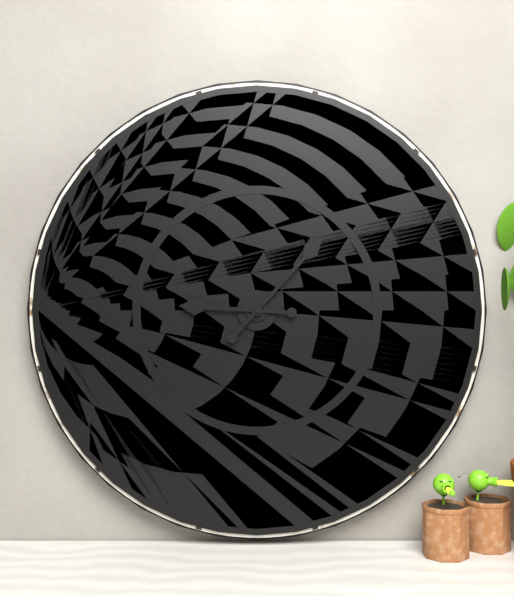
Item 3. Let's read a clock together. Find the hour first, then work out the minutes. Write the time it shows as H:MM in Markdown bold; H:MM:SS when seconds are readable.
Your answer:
**9:07**
